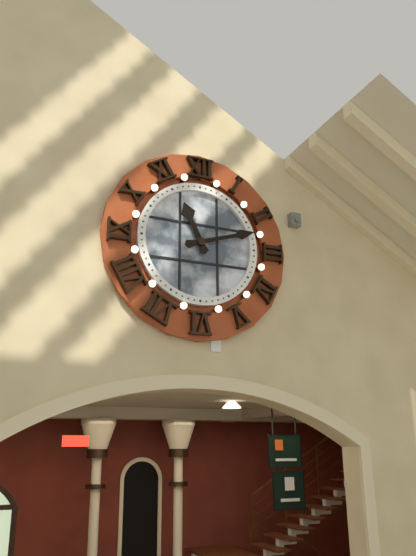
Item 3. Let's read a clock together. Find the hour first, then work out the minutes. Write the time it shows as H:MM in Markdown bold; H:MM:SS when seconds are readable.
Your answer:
**11:12**
